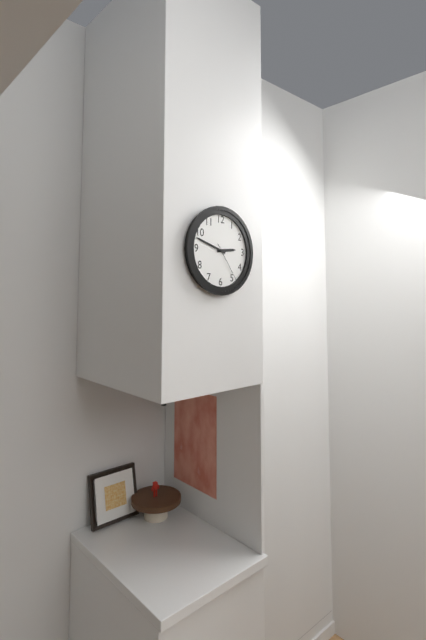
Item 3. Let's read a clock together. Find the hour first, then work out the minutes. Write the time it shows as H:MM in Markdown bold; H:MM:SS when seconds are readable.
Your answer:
**2:48**
